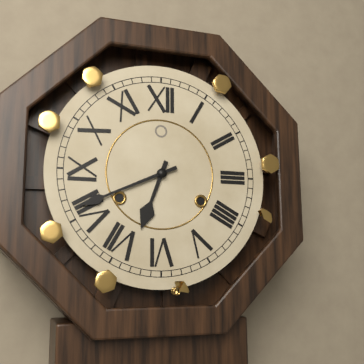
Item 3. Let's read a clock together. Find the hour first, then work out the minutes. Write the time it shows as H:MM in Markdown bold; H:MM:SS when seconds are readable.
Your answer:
**6:41**
